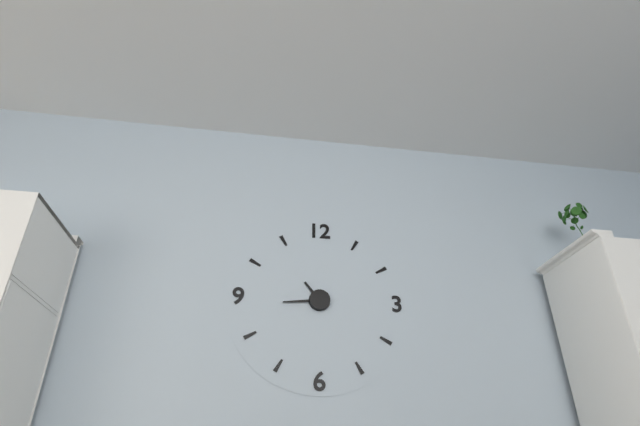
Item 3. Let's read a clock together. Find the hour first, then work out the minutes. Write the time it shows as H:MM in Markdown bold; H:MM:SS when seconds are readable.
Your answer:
**10:44**
